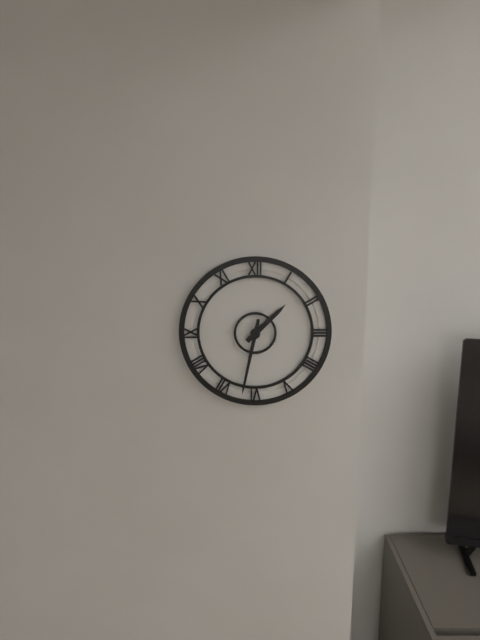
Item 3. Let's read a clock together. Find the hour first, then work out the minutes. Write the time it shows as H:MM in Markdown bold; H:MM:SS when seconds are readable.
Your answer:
**1:32**
